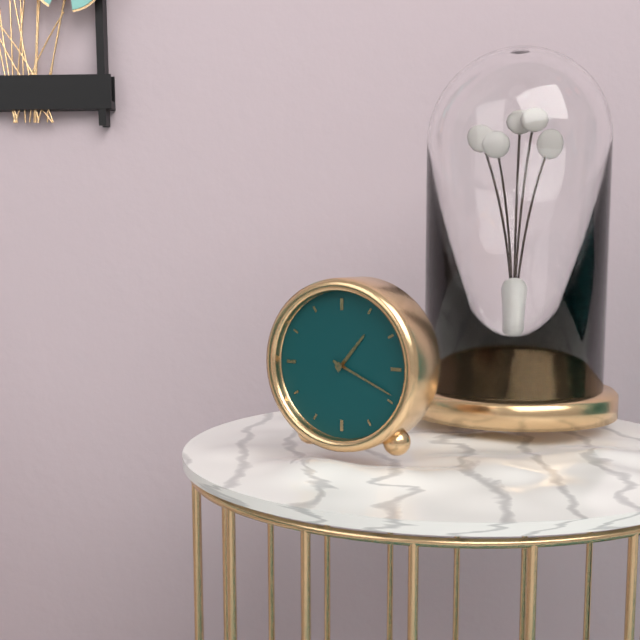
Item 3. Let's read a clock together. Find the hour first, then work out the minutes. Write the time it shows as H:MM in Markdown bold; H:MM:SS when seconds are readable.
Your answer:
**1:19**
